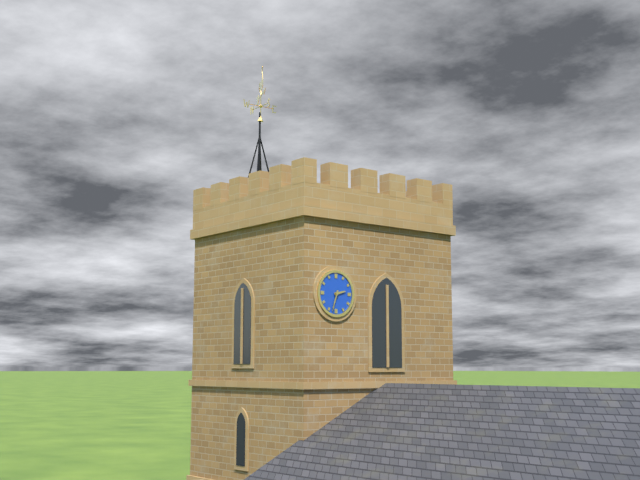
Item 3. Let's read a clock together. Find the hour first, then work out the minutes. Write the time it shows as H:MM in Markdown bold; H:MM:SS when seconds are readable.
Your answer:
**2:33**
